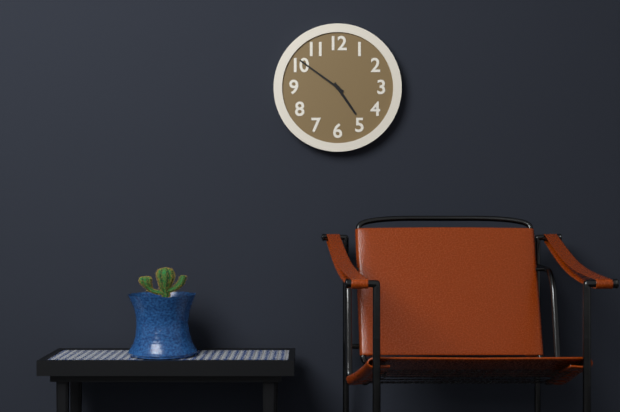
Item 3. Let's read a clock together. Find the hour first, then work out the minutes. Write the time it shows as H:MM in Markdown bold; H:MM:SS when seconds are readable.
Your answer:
**4:51**
